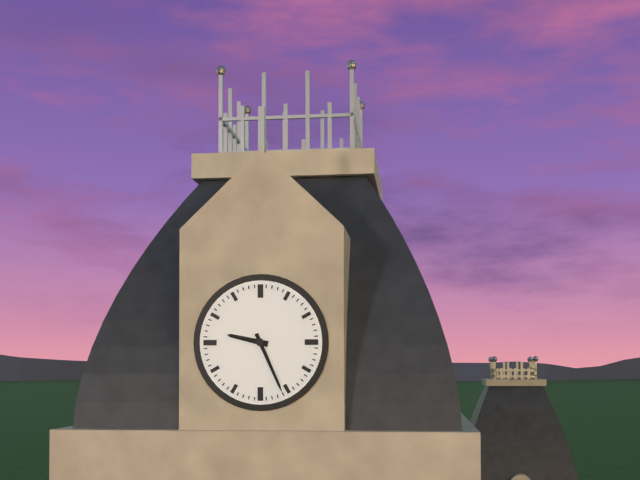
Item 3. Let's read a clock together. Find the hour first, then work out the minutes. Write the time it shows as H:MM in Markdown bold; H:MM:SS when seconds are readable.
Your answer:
**9:26**
